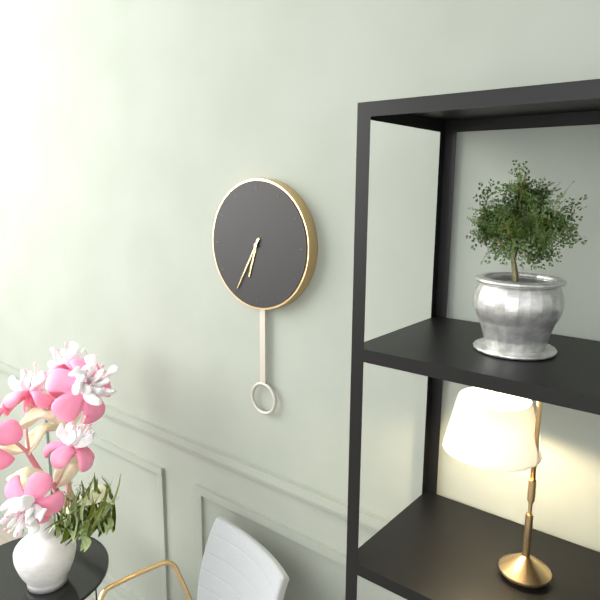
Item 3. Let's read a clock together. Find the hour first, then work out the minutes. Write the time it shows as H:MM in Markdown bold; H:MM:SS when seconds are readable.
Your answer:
**6:35**
